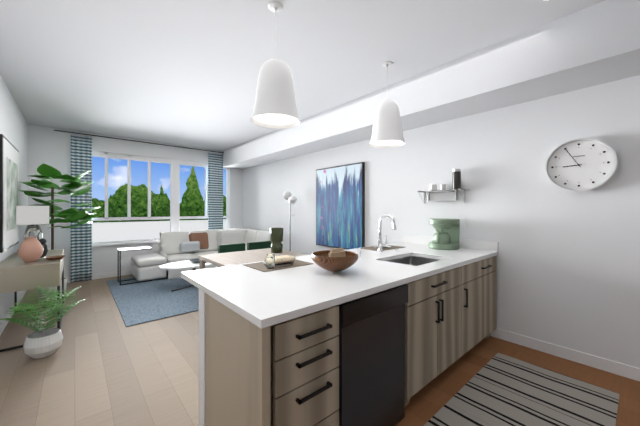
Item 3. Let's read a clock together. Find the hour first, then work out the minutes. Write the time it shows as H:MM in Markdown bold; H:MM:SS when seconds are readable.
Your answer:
**8:55**
